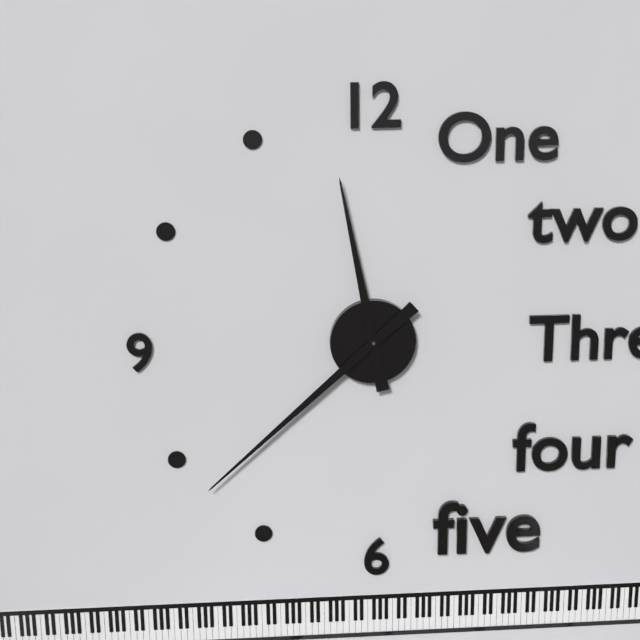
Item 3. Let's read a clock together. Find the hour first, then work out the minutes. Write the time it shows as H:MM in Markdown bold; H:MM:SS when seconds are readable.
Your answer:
**11:38**
